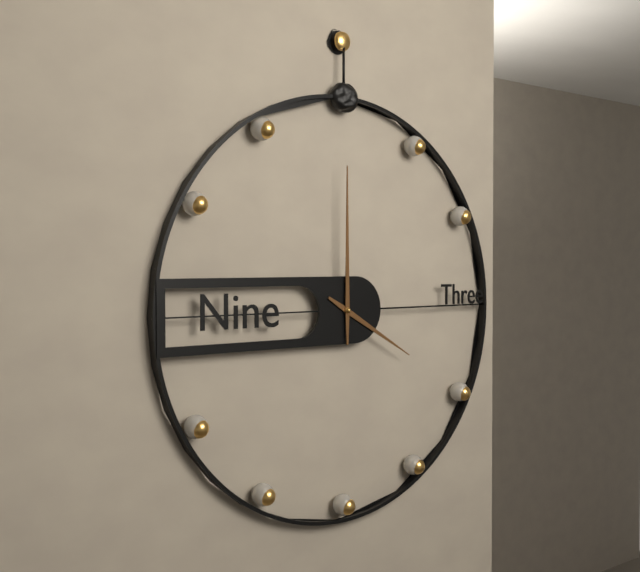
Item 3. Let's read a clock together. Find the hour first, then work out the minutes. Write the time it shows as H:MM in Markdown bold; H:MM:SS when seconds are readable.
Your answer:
**4:00**
